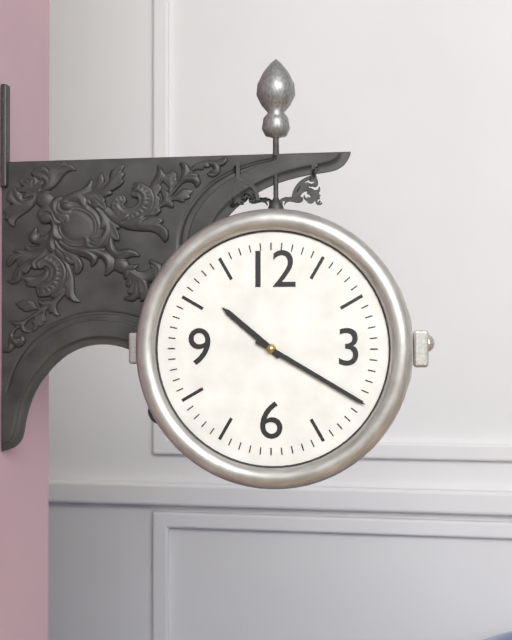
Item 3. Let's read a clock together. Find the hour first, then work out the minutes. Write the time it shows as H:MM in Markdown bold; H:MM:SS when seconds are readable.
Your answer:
**10:20**
